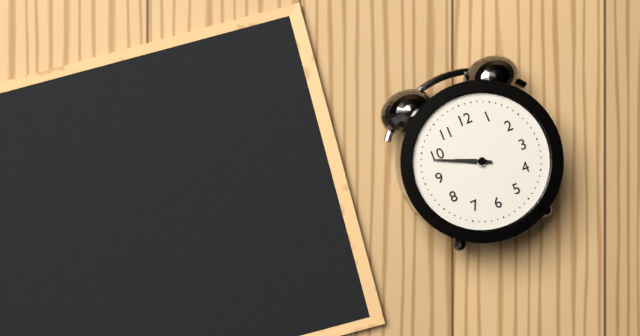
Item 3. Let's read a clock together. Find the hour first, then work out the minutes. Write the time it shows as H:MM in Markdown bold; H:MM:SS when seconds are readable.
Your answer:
**9:49**
